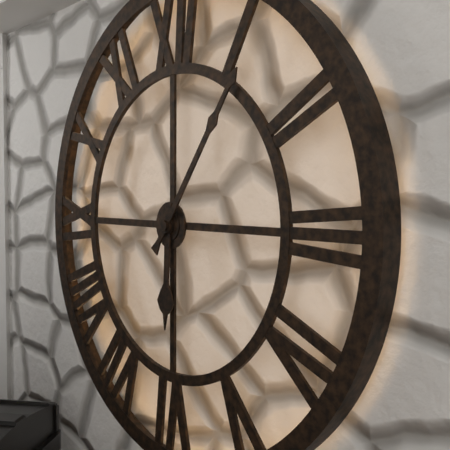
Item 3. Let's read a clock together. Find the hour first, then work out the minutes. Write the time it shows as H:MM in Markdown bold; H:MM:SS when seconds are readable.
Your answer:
**6:06**
